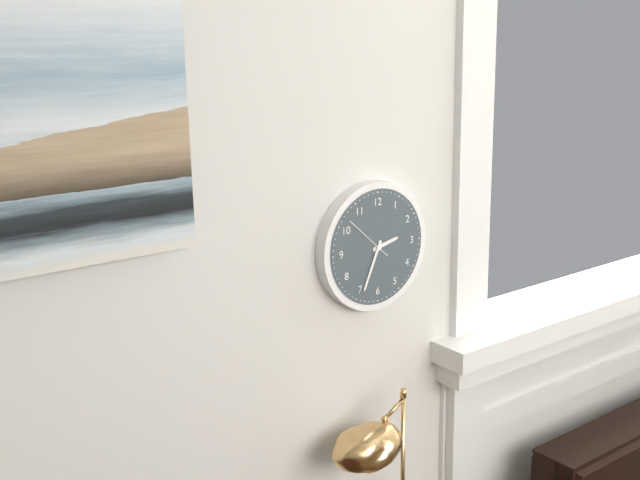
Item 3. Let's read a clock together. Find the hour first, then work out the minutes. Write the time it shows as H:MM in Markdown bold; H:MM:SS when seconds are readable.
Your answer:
**2:34**
